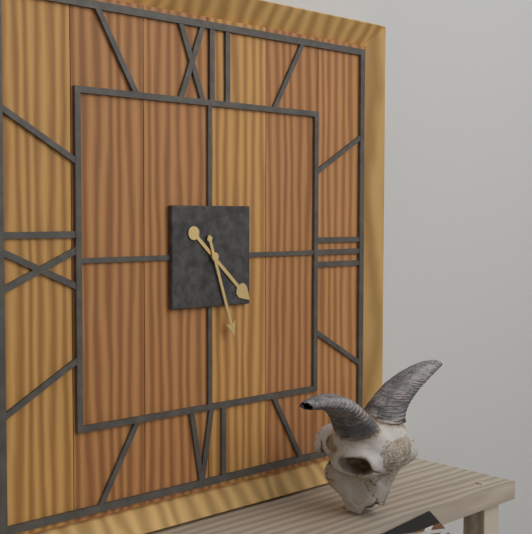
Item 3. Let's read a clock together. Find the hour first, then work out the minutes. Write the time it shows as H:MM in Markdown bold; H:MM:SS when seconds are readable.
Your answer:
**4:27**
